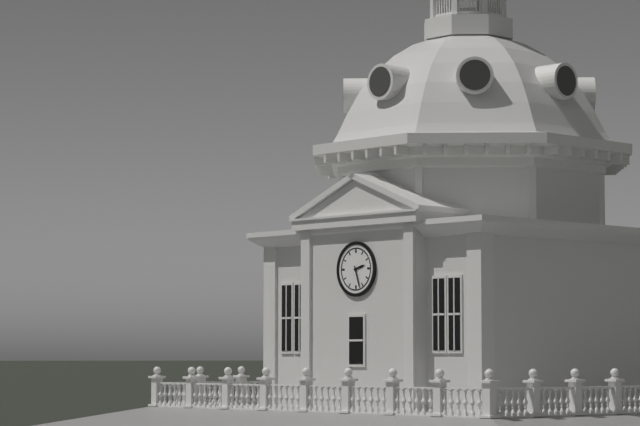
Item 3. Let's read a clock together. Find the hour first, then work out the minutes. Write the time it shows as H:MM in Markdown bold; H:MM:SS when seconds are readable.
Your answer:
**2:27**
